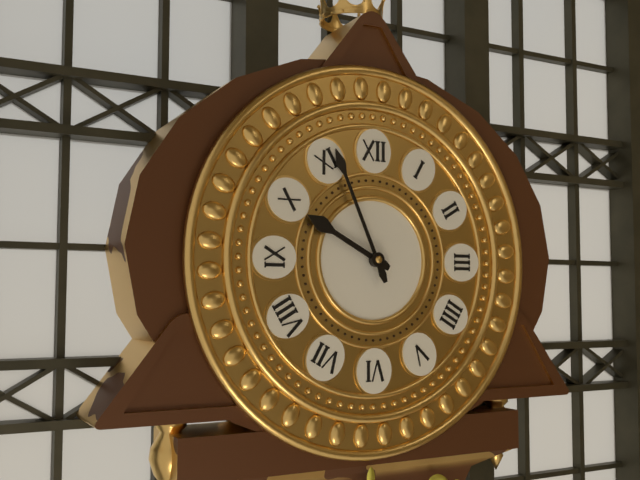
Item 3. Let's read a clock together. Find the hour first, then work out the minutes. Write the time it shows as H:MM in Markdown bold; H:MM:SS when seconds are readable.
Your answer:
**9:56**
